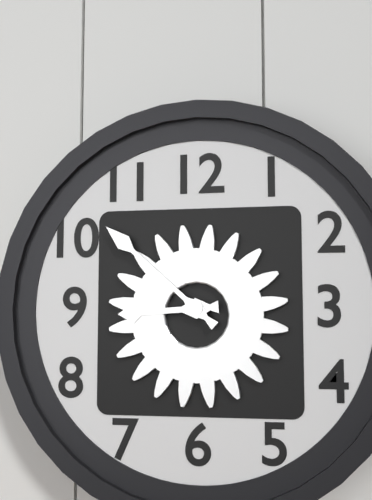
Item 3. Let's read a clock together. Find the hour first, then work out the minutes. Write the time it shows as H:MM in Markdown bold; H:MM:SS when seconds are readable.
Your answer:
**8:52**
